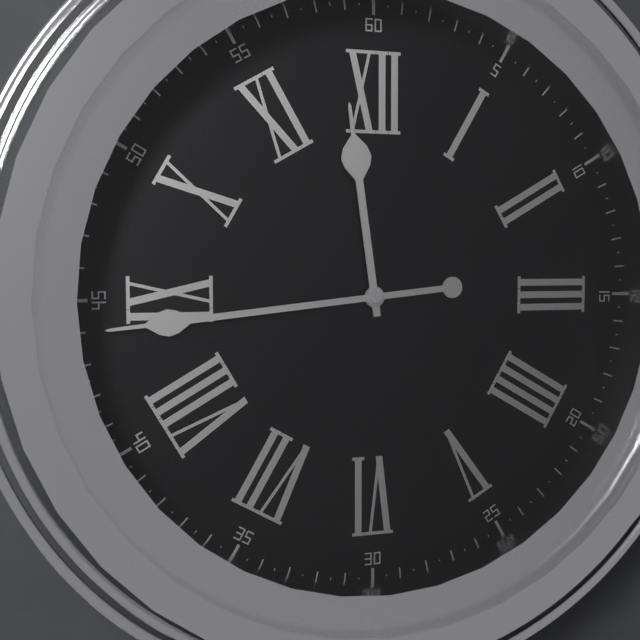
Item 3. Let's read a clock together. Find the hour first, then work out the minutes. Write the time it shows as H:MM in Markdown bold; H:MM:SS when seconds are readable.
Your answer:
**11:44**
